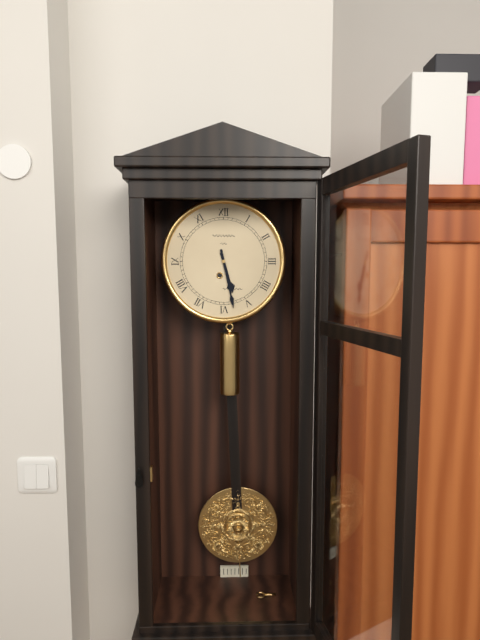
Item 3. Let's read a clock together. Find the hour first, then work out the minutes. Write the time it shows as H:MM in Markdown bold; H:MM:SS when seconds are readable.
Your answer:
**5:28**
